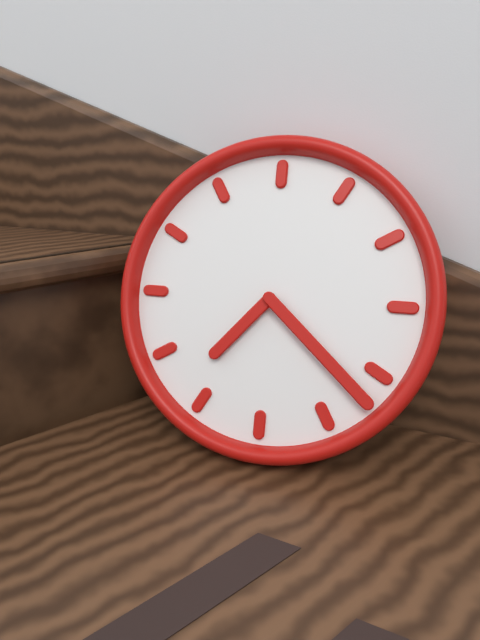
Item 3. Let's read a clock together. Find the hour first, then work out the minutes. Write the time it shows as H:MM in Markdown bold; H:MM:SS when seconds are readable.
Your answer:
**7:22**
